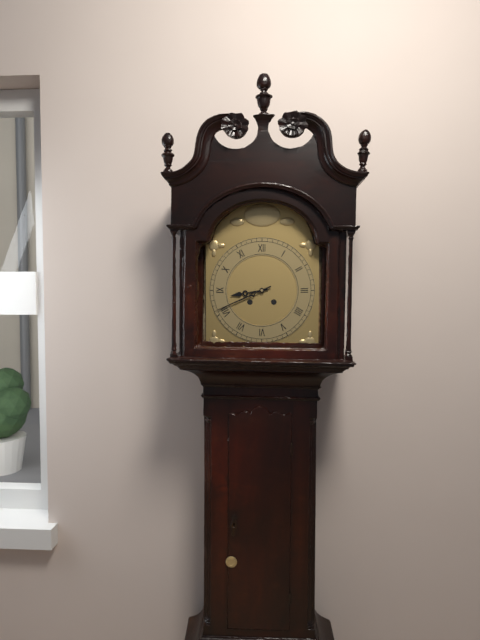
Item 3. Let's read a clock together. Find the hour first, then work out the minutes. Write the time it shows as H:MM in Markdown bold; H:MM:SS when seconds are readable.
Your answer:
**8:41**
